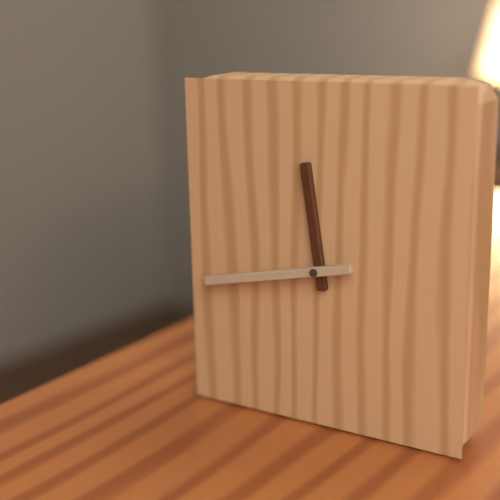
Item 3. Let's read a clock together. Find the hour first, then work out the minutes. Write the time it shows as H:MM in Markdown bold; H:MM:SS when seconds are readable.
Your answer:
**11:43**
